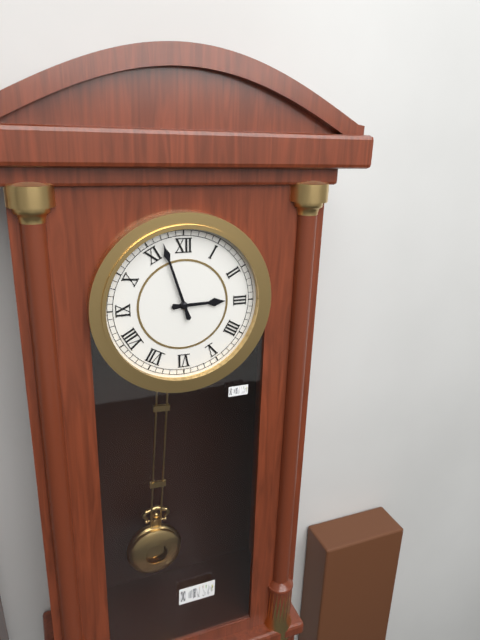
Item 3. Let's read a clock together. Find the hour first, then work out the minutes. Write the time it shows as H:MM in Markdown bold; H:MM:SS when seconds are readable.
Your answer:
**2:57**
